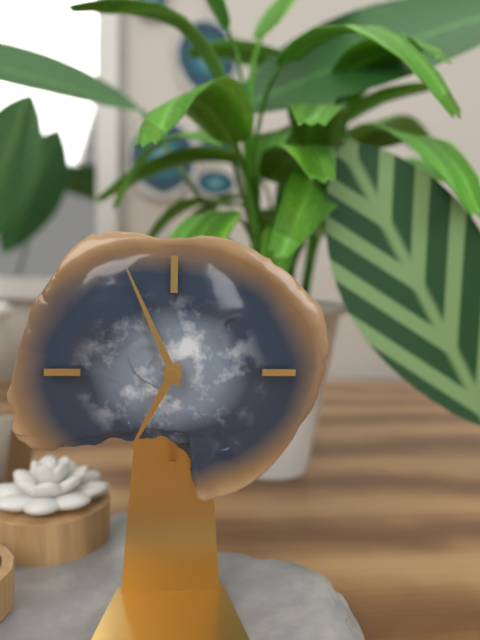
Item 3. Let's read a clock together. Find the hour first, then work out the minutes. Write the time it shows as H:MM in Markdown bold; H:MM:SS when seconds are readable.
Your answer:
**6:56**
